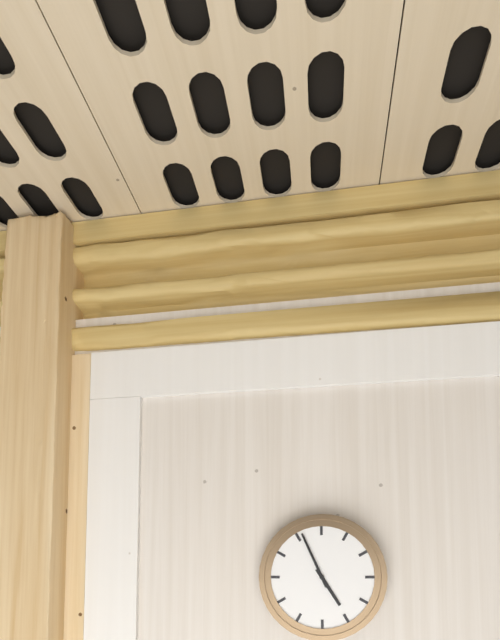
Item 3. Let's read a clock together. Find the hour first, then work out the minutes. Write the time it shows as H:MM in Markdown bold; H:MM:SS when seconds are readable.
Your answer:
**4:56**
